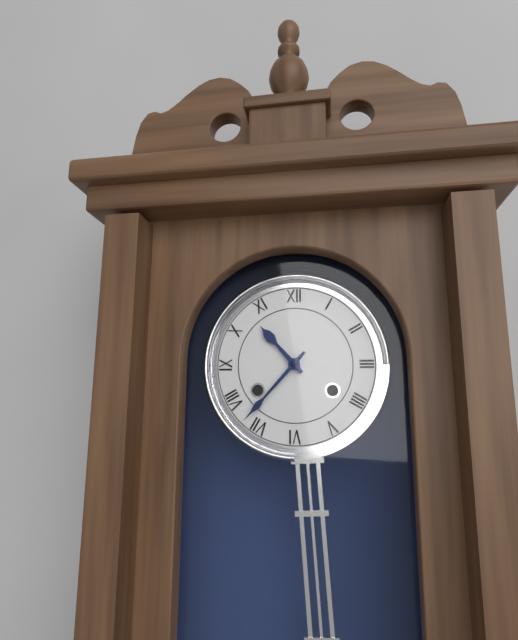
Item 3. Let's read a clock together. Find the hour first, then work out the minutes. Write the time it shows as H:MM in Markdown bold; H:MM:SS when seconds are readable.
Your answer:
**10:37**
